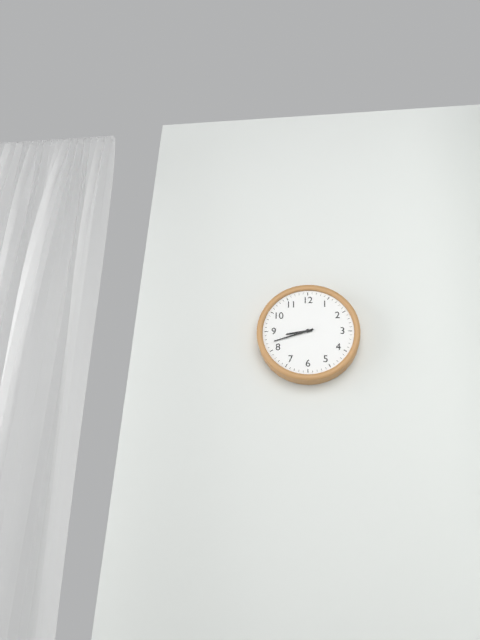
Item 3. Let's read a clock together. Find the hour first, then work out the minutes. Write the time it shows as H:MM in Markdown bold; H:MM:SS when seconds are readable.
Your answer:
**8:42**
